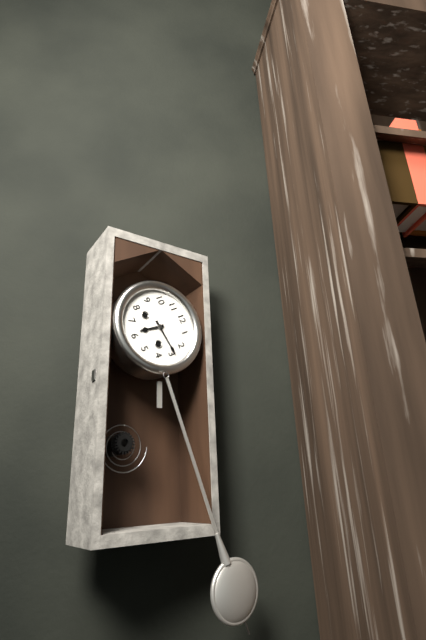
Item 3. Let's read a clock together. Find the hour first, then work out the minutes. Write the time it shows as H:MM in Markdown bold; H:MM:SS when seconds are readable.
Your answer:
**6:14**
